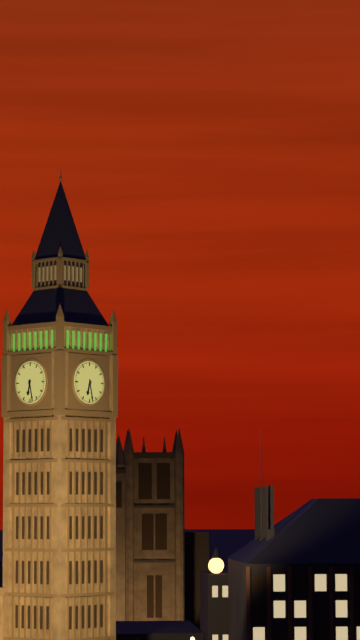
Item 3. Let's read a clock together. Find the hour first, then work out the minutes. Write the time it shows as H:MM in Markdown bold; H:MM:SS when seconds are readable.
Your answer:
**6:28**
